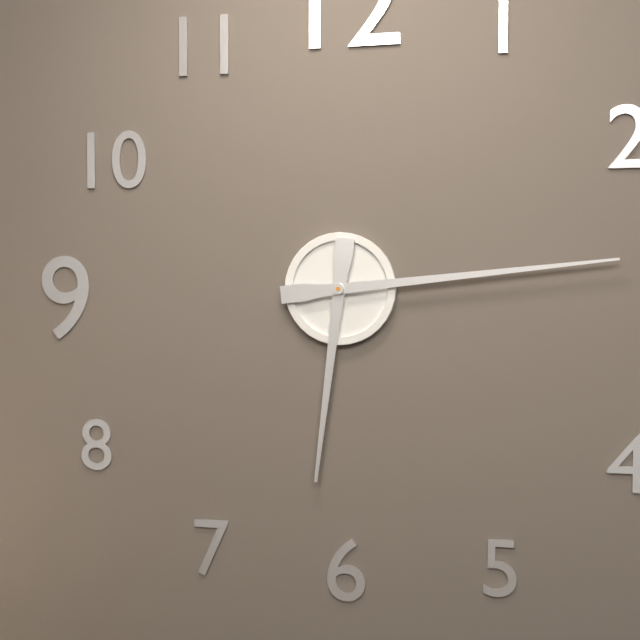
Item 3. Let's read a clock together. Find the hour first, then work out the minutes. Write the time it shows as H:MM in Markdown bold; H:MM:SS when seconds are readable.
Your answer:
**6:14**
